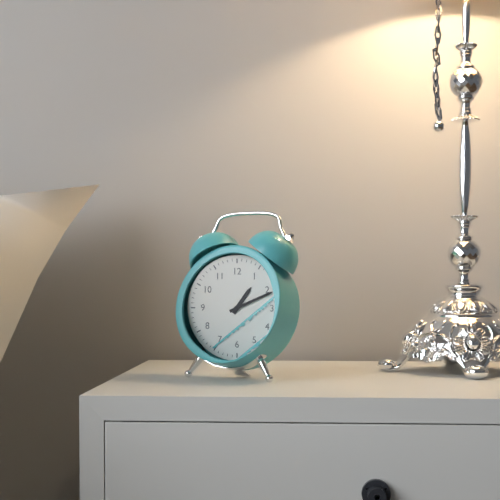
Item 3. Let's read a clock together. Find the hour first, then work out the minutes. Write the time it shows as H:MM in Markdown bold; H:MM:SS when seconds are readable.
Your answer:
**1:11**
